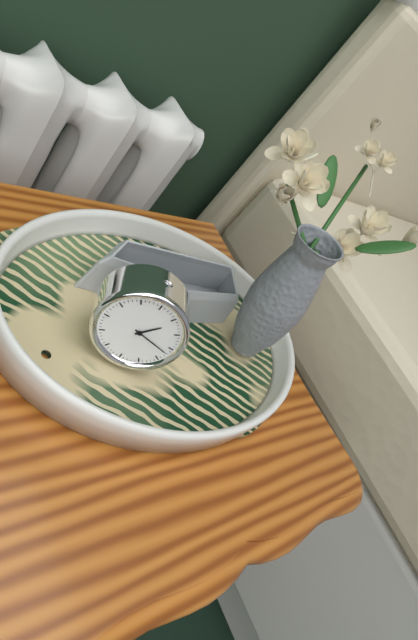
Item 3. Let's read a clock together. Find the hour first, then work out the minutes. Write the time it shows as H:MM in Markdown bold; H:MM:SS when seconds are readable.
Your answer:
**1:17**
